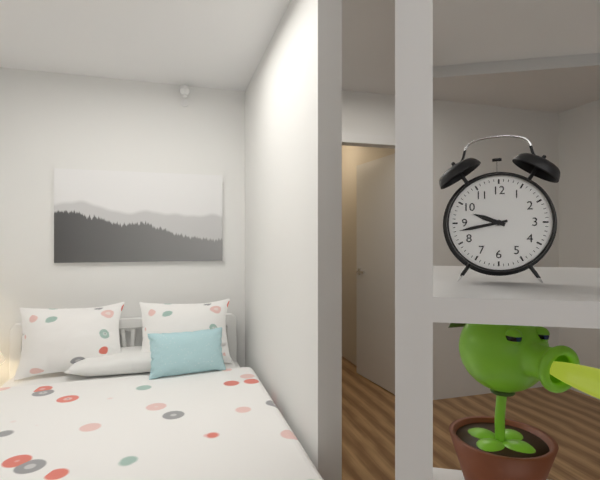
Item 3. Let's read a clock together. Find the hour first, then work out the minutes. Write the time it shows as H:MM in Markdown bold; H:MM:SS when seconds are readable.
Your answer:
**9:43**
